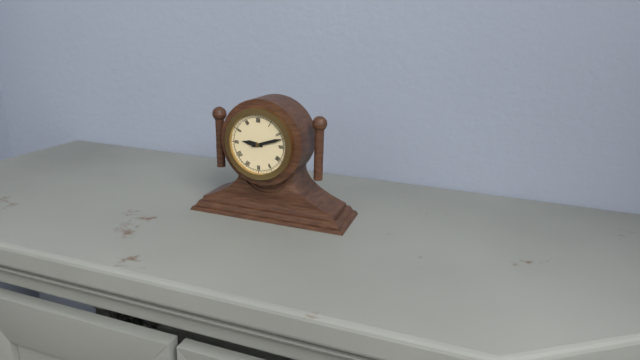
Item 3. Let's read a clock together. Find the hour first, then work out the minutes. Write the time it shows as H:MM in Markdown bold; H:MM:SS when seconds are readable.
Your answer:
**9:12**
